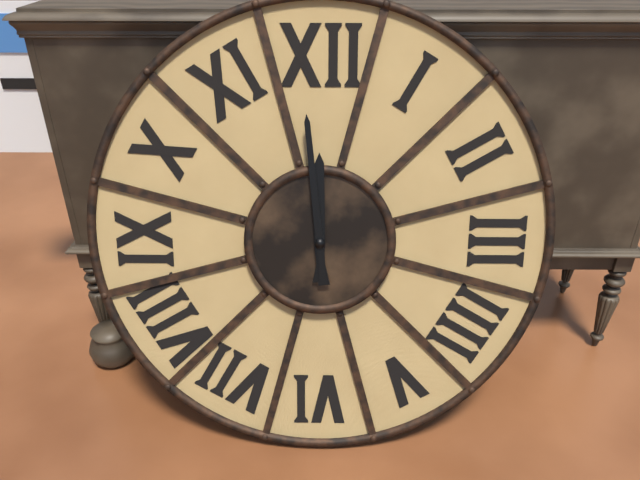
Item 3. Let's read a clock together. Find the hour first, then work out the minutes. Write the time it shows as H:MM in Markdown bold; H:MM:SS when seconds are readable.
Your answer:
**11:59**
